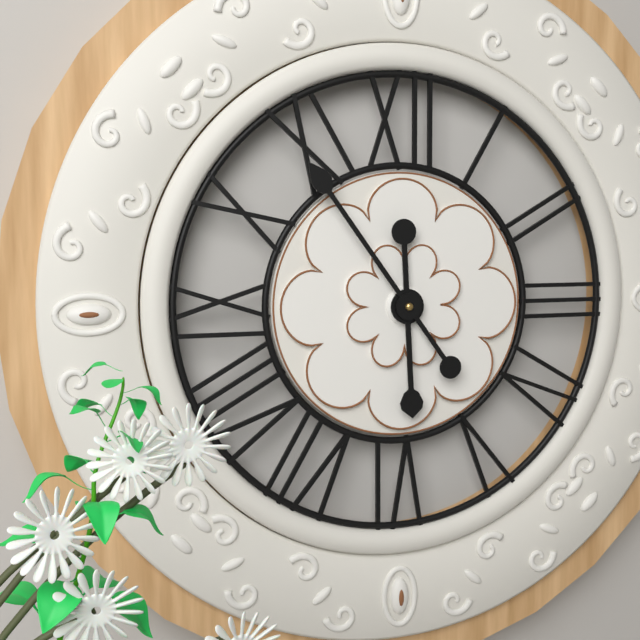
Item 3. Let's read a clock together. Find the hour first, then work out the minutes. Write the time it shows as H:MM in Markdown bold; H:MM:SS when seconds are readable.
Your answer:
**5:54**
